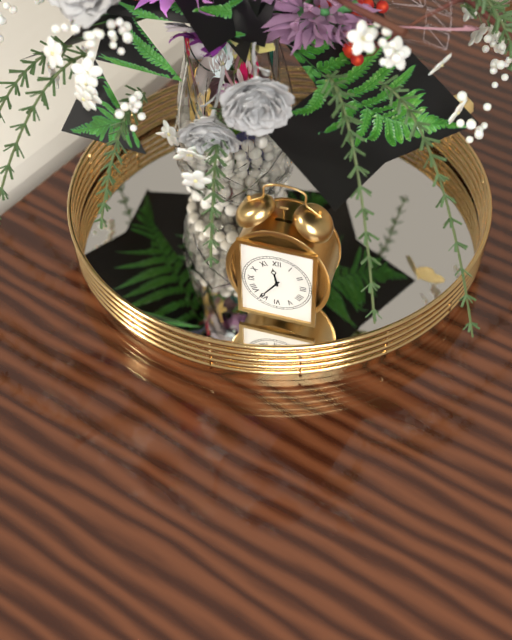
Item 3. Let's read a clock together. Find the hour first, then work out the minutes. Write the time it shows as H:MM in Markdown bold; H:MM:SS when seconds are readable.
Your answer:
**11:36**
